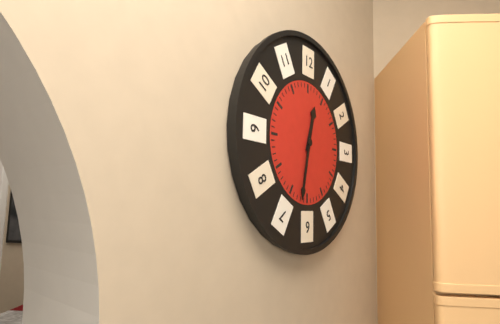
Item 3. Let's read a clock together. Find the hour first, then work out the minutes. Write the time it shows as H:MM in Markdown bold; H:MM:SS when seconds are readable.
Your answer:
**12:32**
